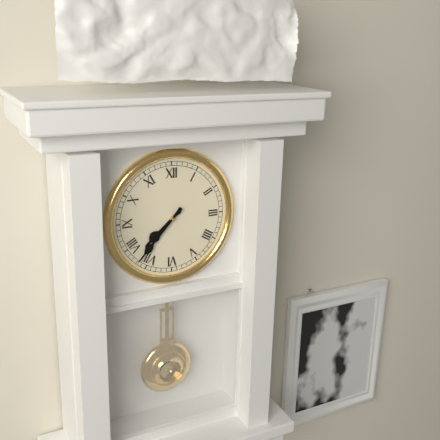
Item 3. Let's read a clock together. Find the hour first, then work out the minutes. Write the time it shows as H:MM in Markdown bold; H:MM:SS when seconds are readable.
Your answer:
**7:37**
